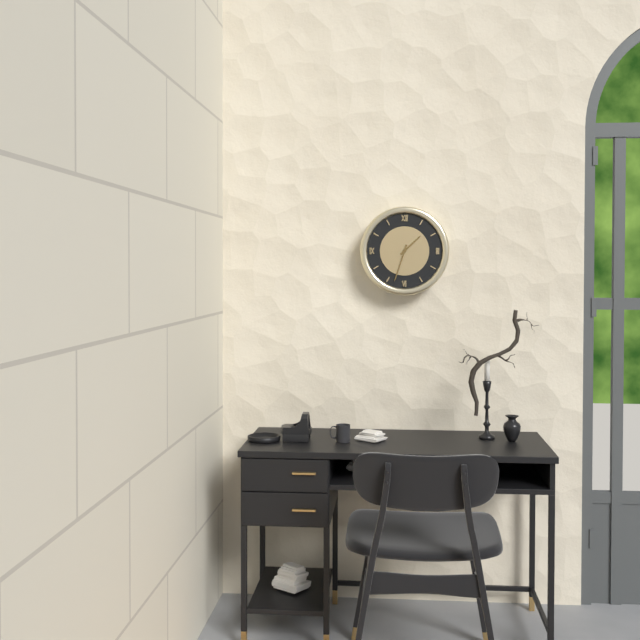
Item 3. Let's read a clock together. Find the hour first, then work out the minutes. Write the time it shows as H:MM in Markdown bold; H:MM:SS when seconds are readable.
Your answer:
**1:33**
